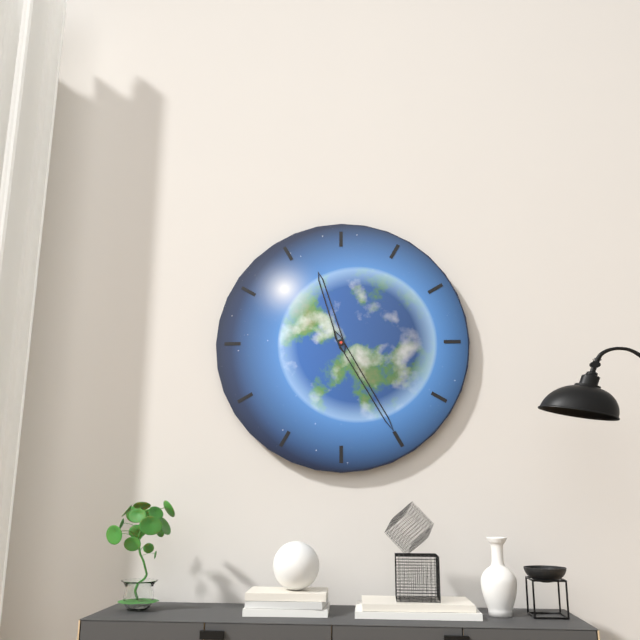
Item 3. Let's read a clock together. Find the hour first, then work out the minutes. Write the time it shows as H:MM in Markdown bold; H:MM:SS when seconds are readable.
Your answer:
**11:25**
